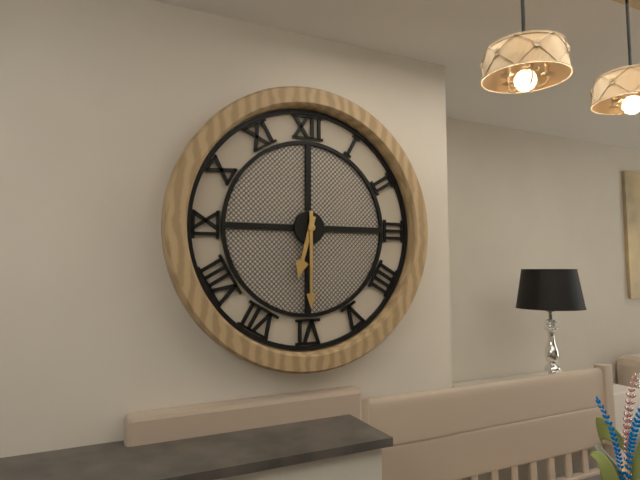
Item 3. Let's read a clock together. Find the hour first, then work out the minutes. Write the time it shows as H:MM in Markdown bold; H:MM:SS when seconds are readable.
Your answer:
**6:30**
